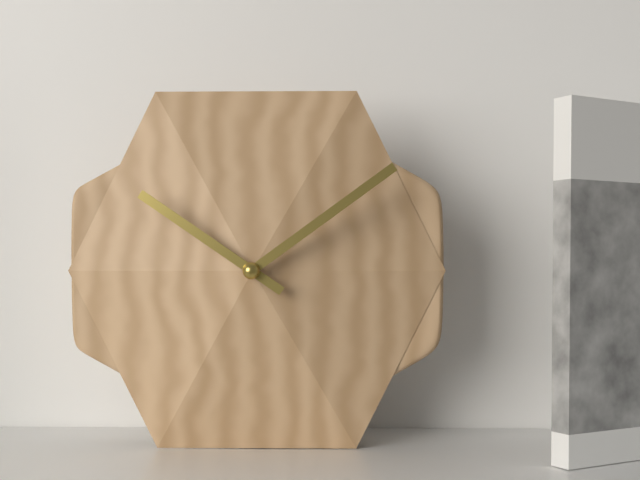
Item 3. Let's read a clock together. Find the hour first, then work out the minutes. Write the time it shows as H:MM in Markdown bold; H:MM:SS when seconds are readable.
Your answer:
**10:09**
